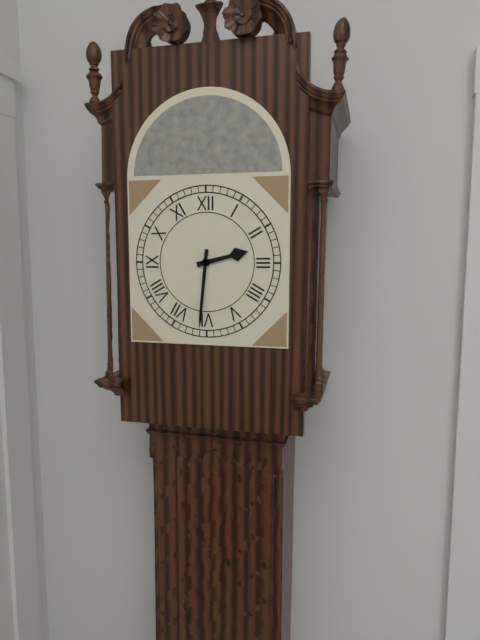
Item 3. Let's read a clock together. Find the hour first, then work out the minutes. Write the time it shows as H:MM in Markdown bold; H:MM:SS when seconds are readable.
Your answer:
**2:31**
